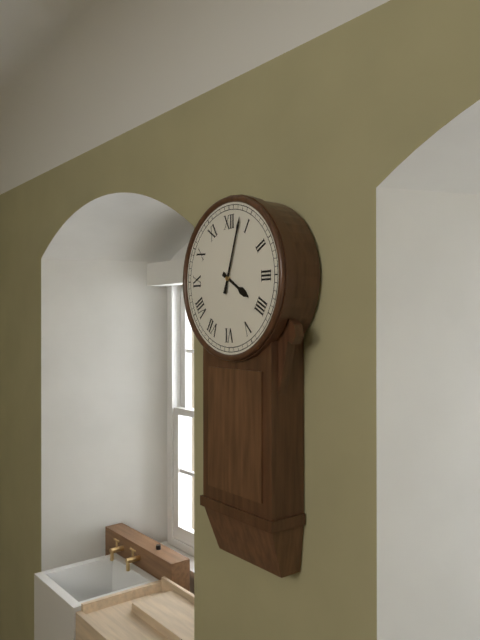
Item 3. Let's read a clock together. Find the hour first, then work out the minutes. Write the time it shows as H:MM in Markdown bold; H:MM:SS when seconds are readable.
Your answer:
**4:03**
